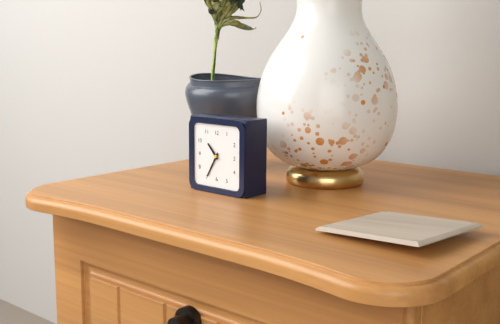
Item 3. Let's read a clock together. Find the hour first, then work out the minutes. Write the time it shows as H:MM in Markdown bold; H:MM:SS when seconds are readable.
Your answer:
**10:35**
